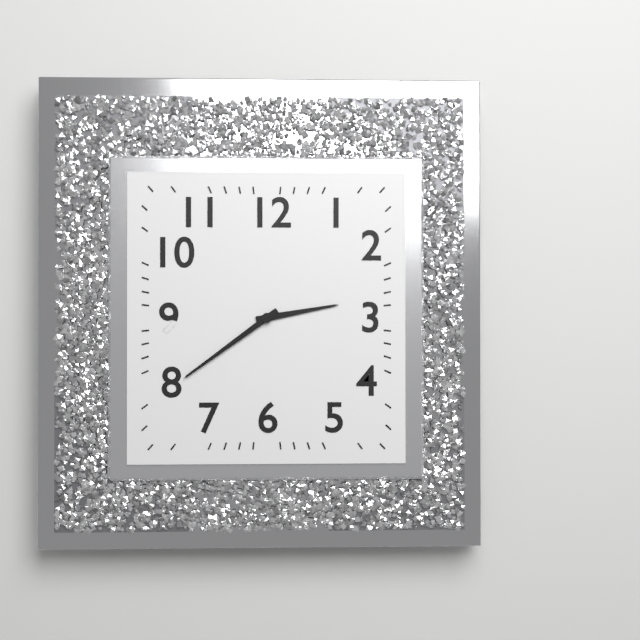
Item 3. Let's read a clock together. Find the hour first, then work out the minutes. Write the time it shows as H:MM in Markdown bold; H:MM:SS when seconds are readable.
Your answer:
**2:39**
